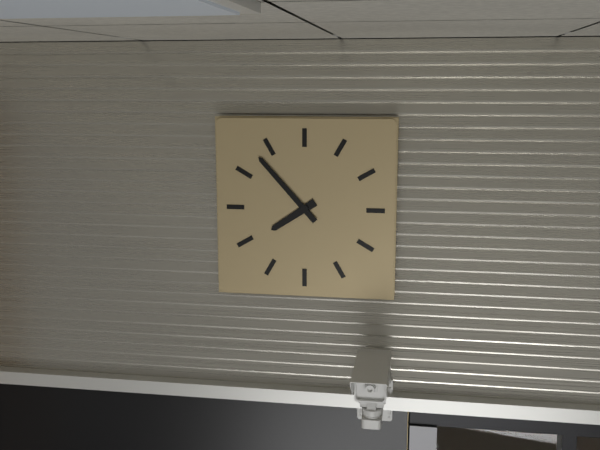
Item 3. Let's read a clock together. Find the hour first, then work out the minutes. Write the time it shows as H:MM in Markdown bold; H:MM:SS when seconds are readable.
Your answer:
**7:53**
